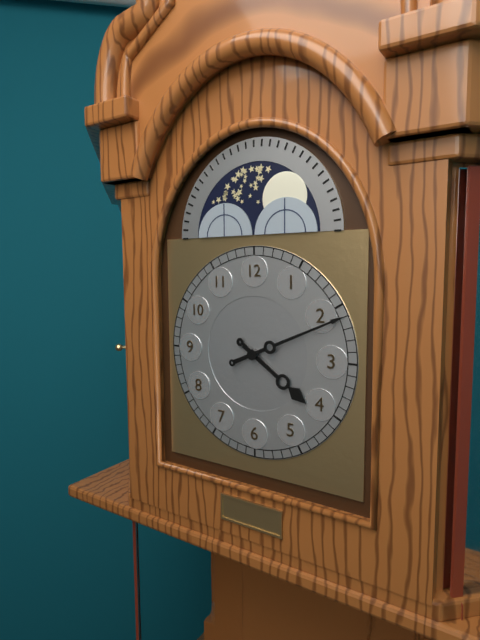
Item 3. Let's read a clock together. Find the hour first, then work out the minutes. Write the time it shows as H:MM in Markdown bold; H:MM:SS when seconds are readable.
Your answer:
**4:11**
